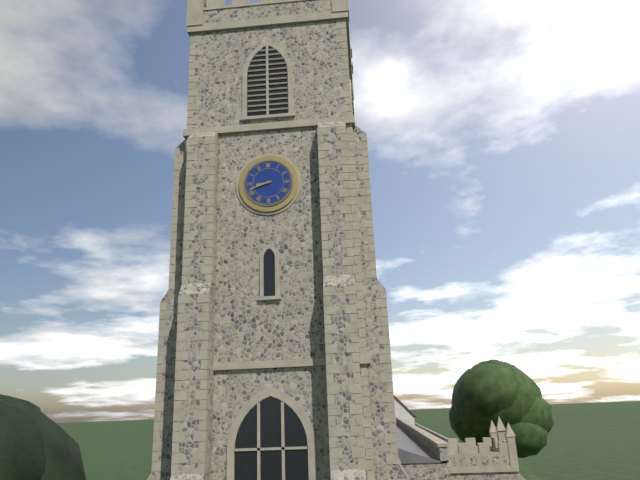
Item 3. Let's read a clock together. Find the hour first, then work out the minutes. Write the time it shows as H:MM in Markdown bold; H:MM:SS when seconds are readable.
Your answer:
**8:42**
